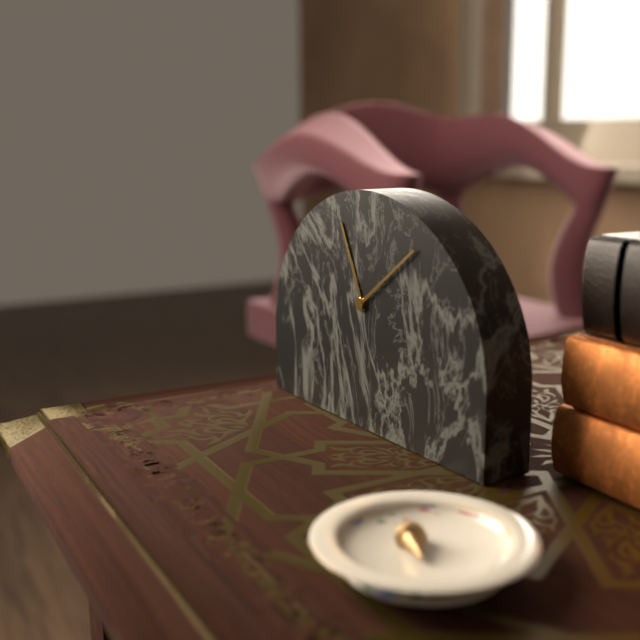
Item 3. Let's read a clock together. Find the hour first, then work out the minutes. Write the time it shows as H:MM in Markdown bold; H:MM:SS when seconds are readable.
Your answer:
**11:09**
